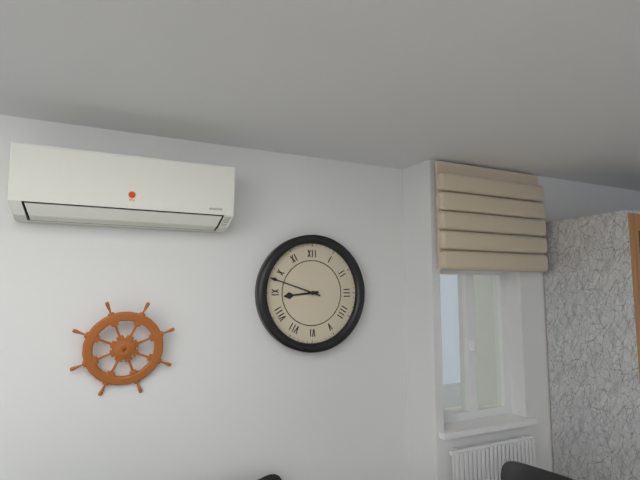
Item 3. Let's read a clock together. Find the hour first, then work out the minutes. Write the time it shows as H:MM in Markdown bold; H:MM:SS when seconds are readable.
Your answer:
**8:48**
